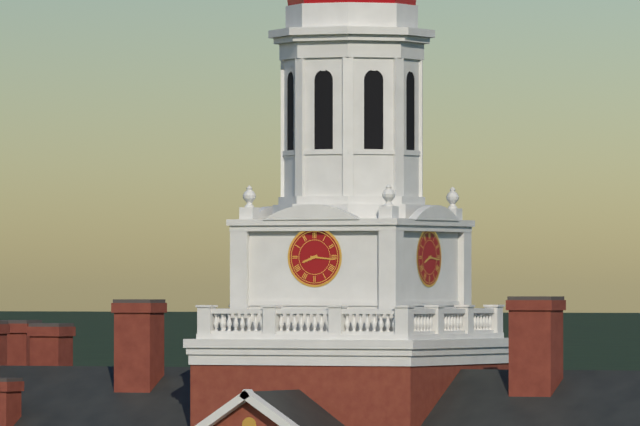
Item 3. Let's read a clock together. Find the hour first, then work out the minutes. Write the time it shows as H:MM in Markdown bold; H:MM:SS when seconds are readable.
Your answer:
**8:16**
